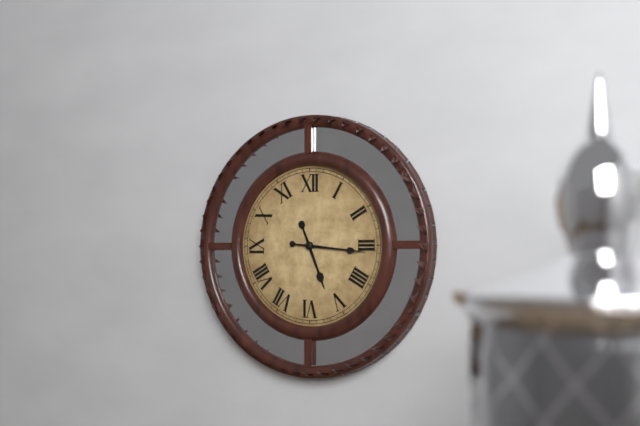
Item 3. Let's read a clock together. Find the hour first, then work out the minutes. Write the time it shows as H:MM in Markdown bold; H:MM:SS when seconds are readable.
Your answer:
**5:16**
